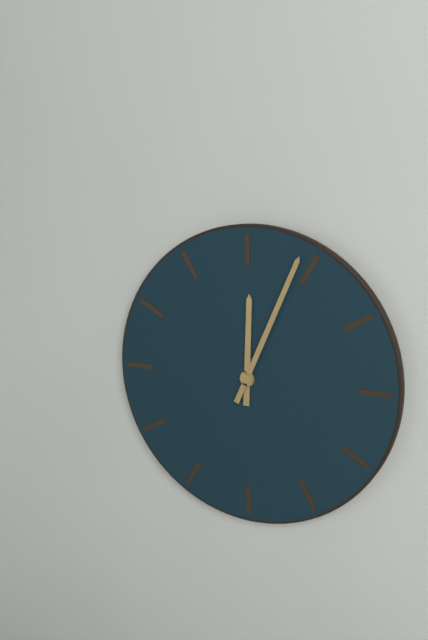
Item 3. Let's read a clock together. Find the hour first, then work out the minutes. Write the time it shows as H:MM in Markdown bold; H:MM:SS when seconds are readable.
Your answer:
**12:04**
